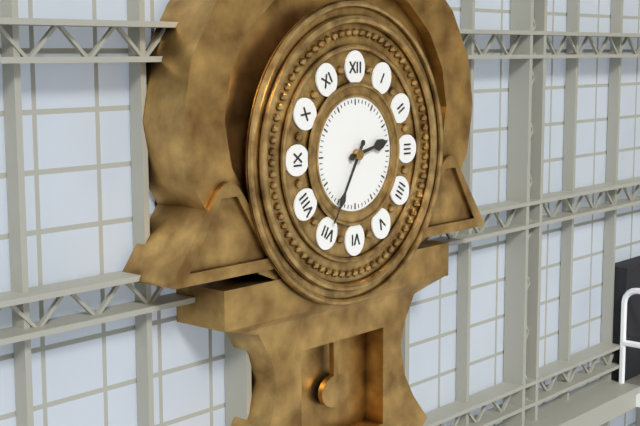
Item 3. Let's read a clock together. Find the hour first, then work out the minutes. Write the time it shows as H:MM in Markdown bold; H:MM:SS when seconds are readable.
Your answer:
**2:35**
